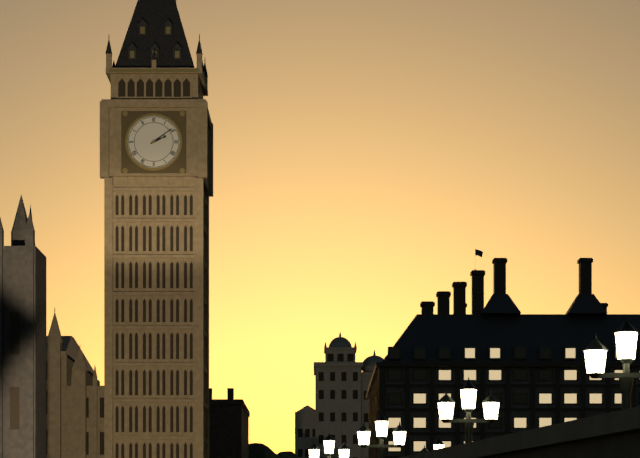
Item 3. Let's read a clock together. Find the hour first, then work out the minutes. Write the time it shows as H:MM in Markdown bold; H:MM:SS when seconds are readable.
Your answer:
**2:09**
